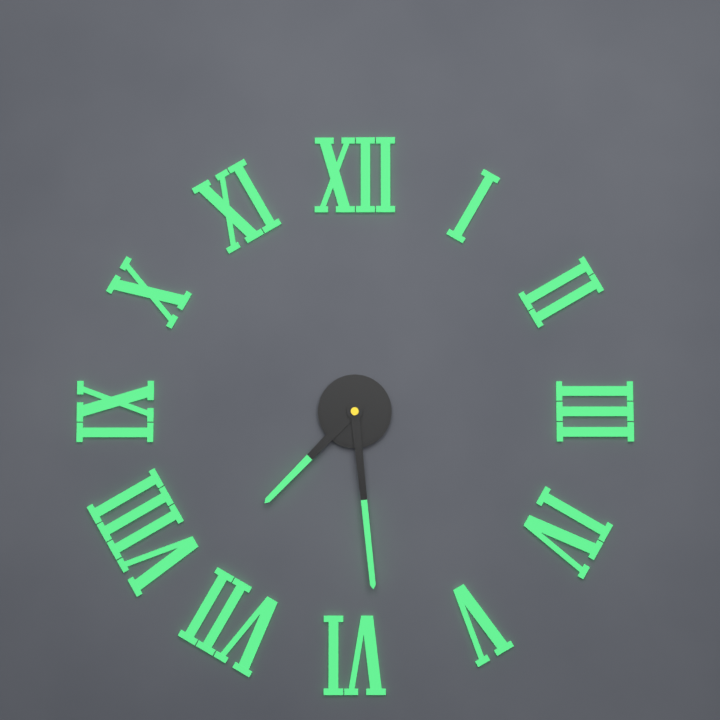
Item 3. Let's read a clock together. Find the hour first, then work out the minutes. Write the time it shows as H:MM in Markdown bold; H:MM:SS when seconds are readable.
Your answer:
**7:29**
